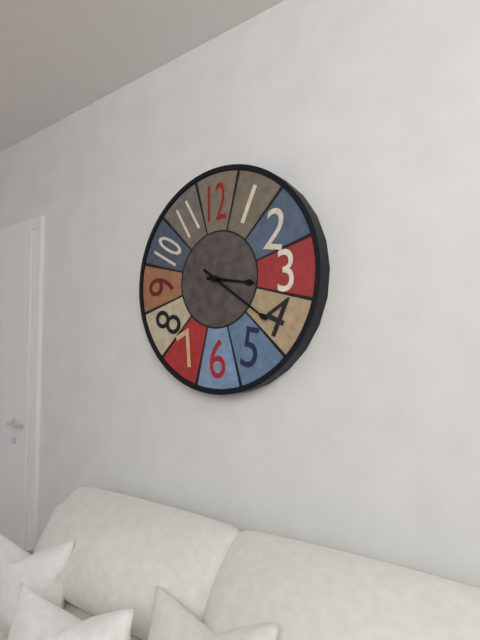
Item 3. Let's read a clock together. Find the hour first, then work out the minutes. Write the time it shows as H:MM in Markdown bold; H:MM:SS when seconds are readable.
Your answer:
**3:21**
